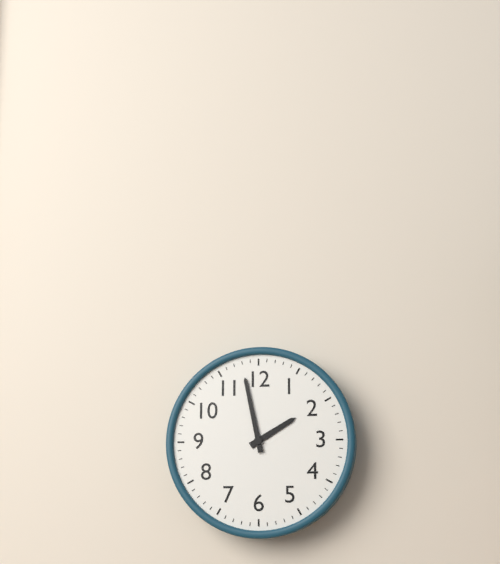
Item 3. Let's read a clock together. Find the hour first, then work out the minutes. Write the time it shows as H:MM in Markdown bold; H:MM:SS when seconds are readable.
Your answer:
**1:58**
